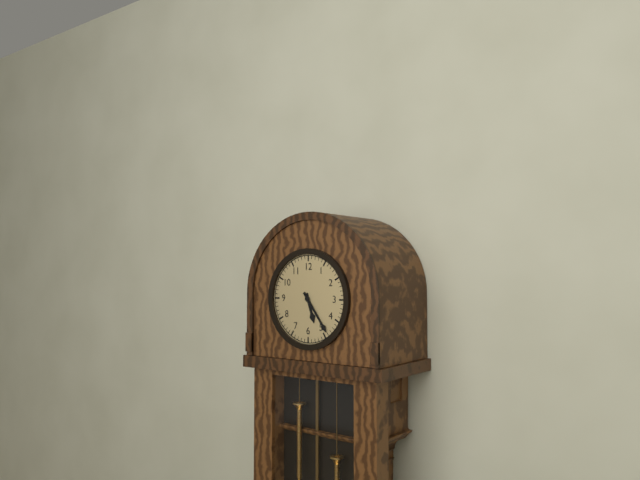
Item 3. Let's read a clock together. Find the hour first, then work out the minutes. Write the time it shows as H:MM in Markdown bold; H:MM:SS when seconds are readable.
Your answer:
**5:24**
